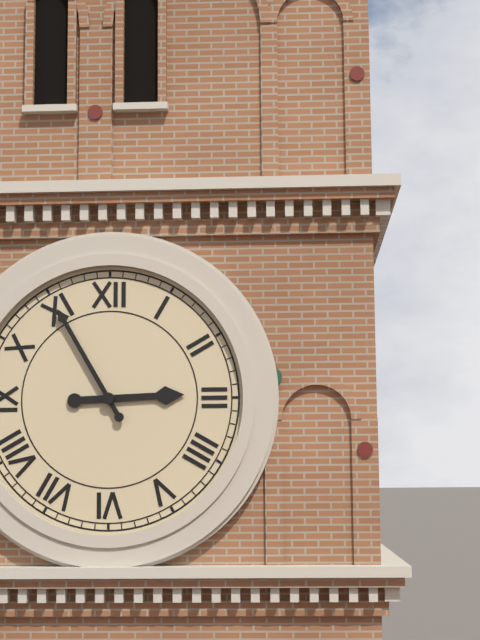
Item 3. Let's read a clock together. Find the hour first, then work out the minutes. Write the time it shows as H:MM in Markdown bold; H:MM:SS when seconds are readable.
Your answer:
**2:55**
